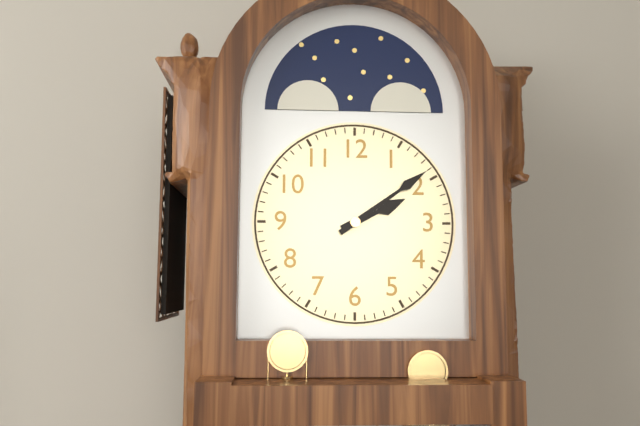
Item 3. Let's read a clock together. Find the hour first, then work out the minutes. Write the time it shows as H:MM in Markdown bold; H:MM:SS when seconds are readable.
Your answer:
**2:09**
